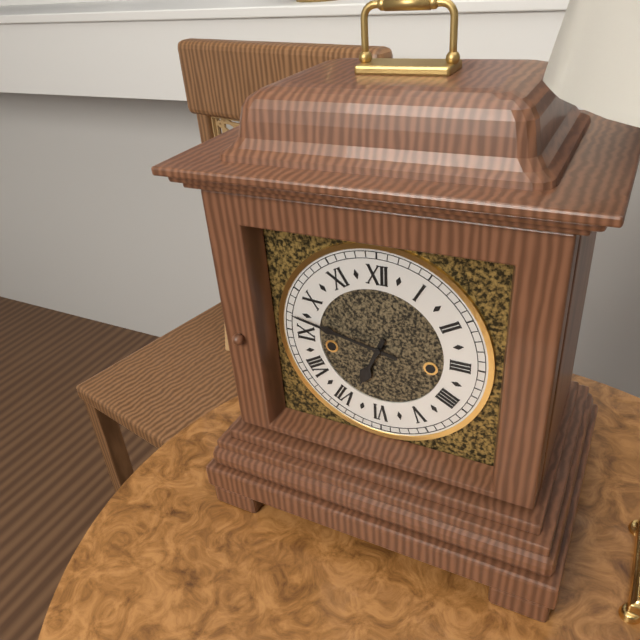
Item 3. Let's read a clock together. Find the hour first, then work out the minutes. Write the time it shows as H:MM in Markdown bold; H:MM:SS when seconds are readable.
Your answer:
**6:47**
